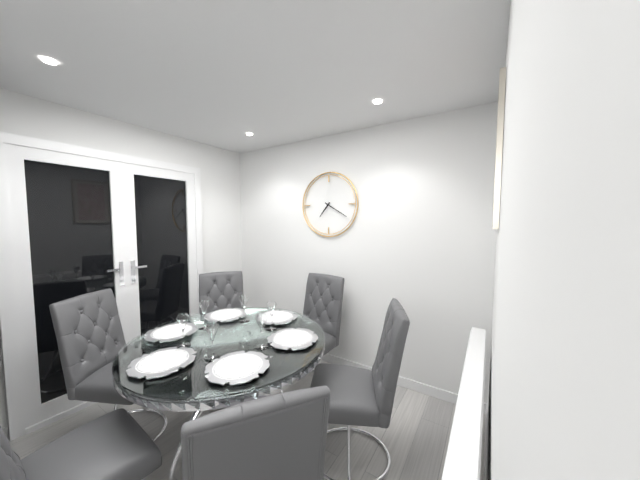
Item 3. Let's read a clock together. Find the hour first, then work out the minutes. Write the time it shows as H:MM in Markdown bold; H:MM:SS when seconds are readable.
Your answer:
**7:20**
